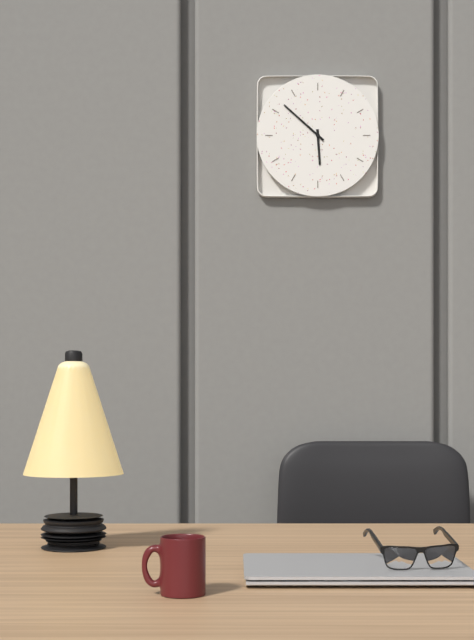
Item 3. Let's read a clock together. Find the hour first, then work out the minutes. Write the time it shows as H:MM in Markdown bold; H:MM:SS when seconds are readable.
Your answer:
**5:52**
